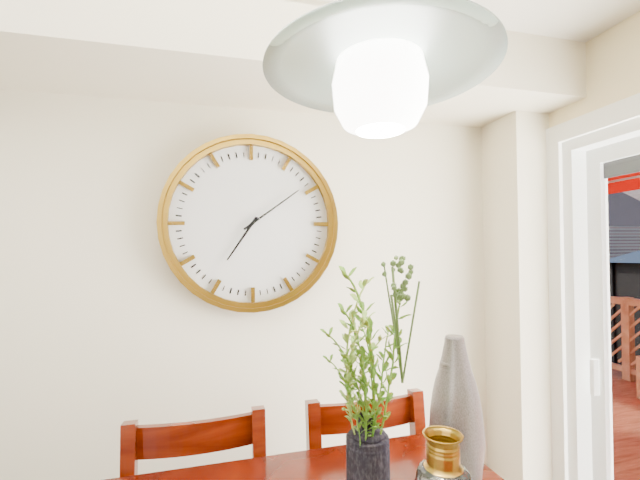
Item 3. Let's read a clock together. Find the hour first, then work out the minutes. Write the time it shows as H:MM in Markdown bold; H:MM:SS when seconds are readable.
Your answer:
**7:09**
